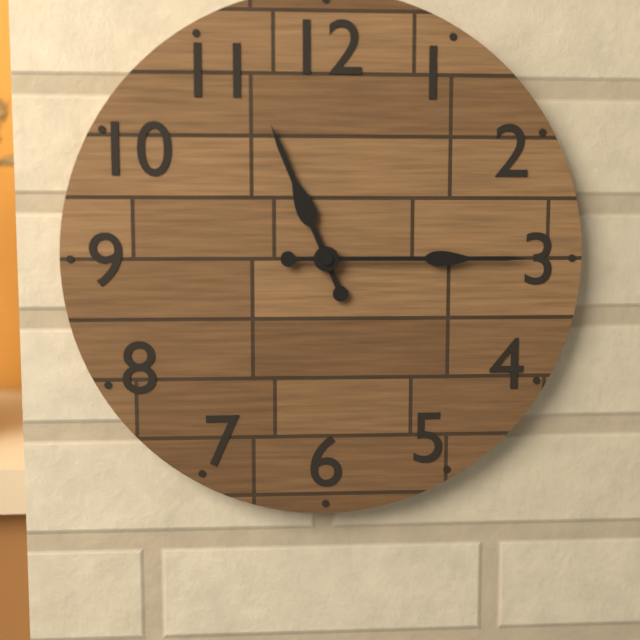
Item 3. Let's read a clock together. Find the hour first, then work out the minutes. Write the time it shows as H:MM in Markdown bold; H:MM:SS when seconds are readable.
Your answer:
**11:15**
